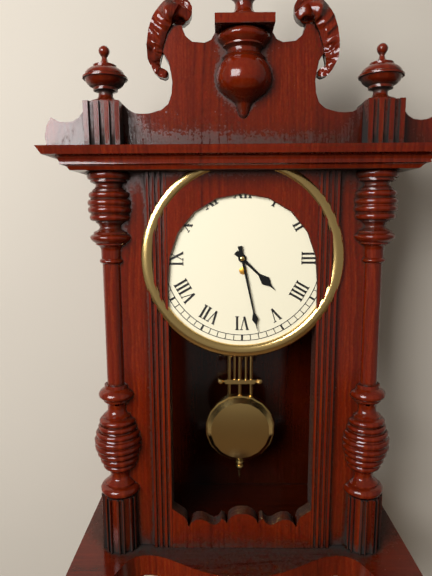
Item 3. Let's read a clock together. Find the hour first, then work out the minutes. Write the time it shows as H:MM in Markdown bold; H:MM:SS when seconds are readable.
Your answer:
**4:28**
